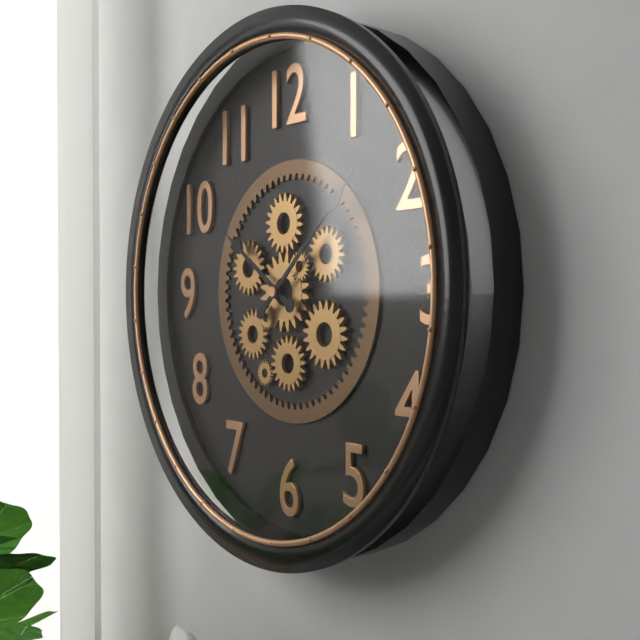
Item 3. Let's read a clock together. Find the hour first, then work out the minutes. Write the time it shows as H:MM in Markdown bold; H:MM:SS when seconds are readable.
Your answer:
**10:08**
